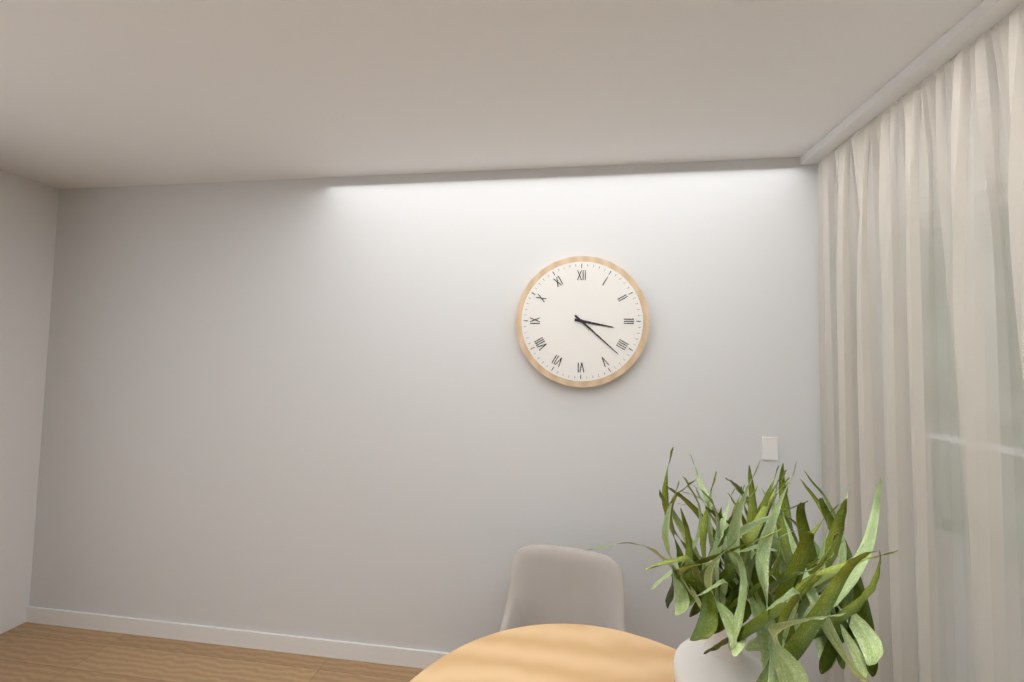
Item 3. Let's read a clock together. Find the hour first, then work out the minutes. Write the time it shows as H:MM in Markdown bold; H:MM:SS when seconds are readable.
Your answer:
**3:22**
